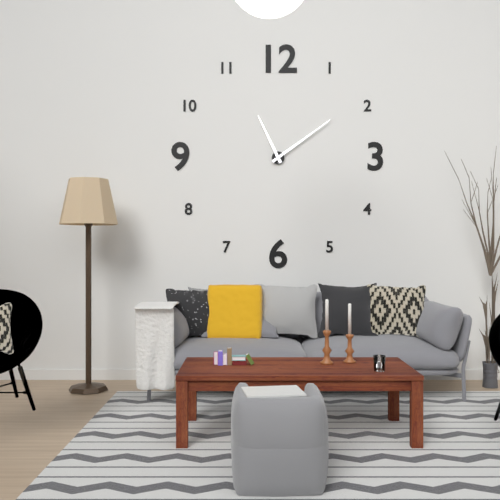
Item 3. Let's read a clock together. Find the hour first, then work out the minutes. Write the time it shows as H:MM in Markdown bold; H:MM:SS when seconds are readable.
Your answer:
**11:09**
